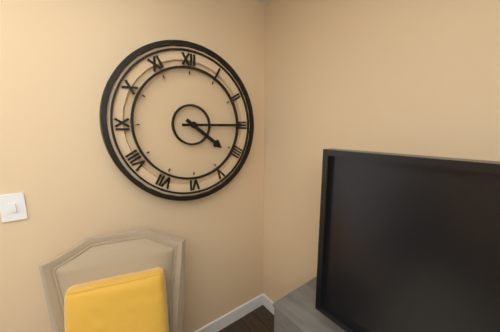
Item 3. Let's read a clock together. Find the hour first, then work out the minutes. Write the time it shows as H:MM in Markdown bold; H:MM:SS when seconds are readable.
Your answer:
**4:15**
